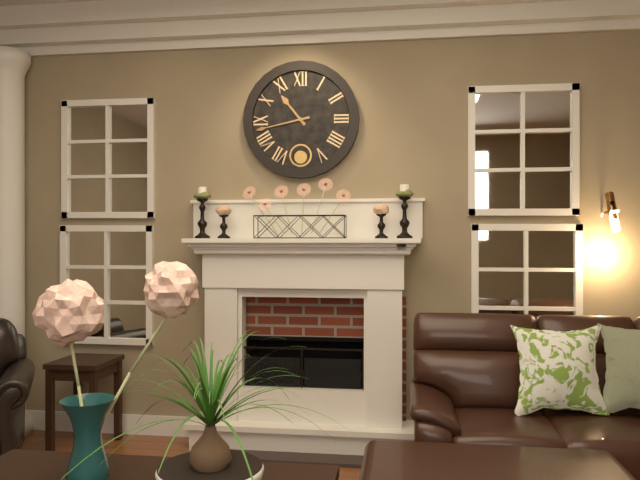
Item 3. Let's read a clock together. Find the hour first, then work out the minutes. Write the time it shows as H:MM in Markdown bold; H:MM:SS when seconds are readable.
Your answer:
**10:43**
